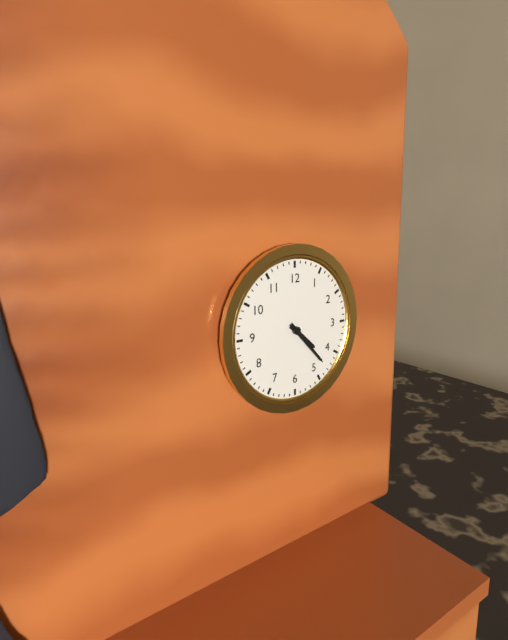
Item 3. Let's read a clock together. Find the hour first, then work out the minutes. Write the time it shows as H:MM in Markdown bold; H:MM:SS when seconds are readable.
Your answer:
**4:23**
